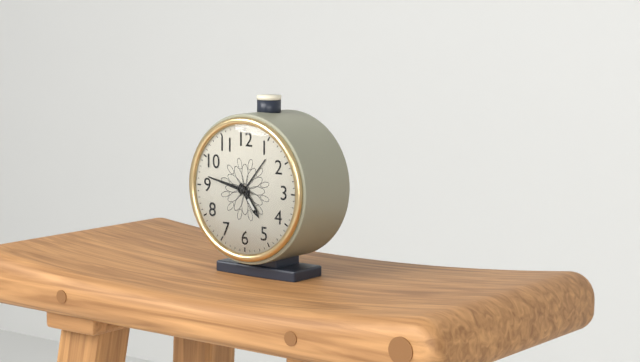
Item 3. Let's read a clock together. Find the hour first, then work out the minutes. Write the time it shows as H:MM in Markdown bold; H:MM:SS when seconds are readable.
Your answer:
**4:47**
